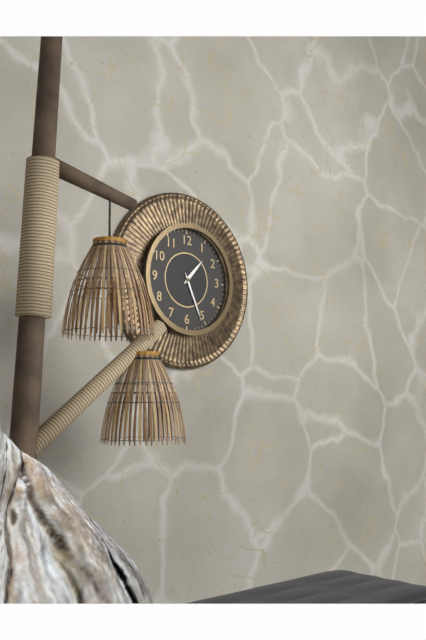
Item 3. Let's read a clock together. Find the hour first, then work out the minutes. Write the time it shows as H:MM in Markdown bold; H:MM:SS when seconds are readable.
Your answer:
**1:26**
